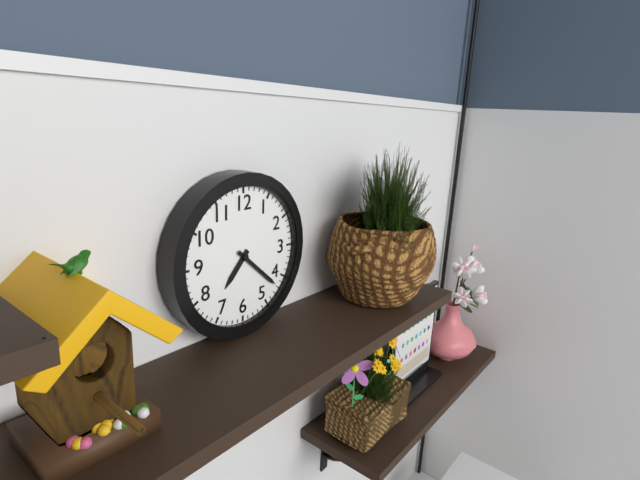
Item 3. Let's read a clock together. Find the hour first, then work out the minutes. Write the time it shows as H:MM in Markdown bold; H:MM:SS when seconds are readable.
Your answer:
**7:22**
